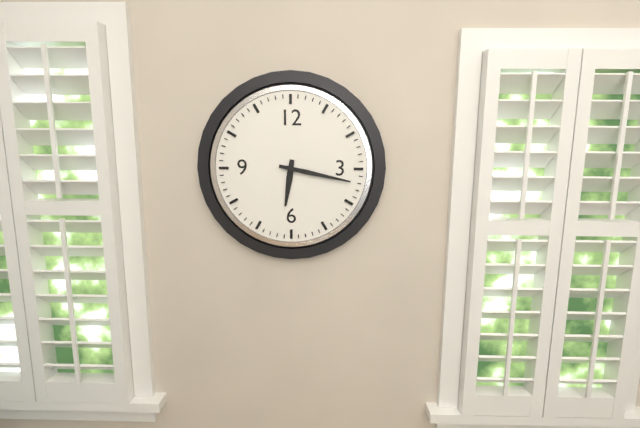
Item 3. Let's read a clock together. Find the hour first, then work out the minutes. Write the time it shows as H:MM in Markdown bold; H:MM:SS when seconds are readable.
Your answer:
**6:17**
